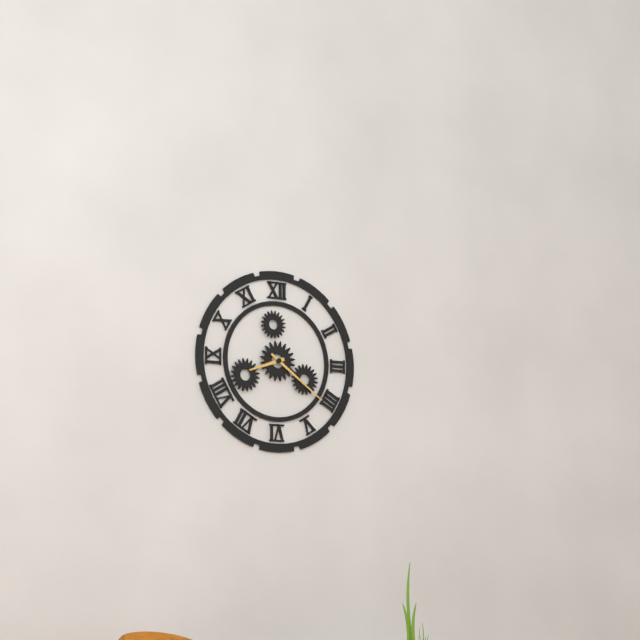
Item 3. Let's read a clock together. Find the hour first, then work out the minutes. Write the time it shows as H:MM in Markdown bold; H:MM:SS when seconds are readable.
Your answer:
**8:21**
